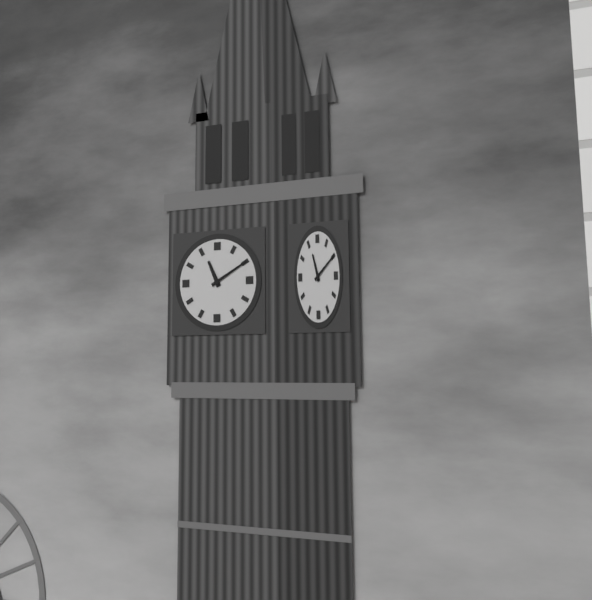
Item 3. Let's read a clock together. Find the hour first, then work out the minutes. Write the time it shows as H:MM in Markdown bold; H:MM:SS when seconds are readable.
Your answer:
**11:10**
